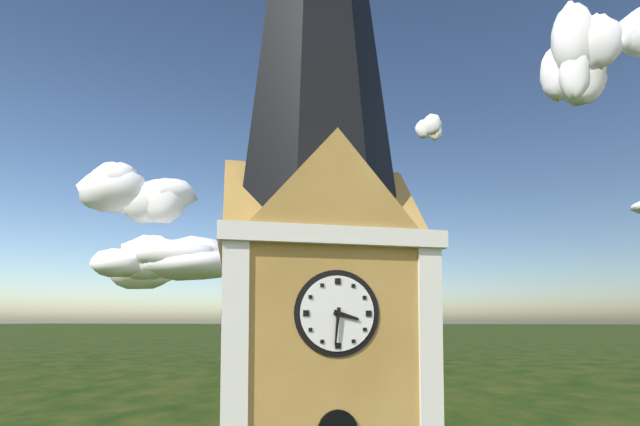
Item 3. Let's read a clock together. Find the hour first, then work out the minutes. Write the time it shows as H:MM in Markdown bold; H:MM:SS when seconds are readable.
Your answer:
**3:31**
